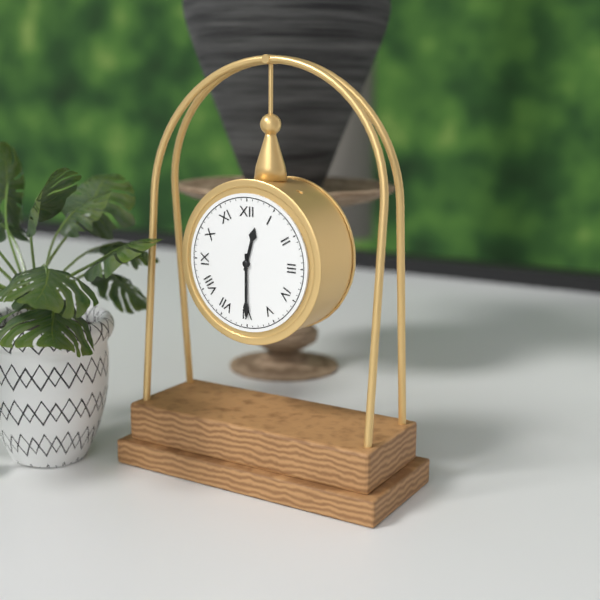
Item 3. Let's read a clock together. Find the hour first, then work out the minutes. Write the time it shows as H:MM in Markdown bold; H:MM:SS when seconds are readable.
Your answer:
**12:30**
